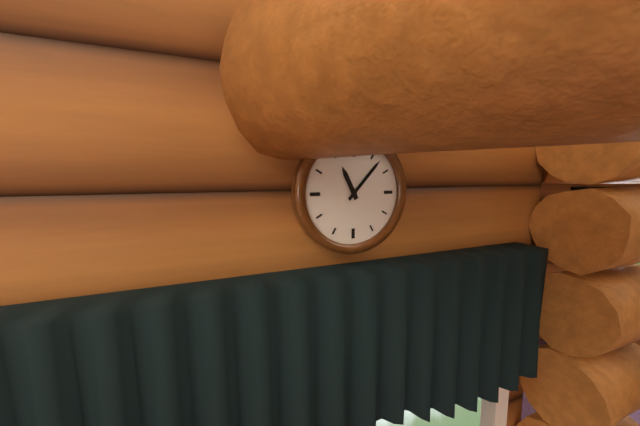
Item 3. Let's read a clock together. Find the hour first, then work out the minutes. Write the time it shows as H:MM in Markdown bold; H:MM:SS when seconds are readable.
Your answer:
**11:07**
